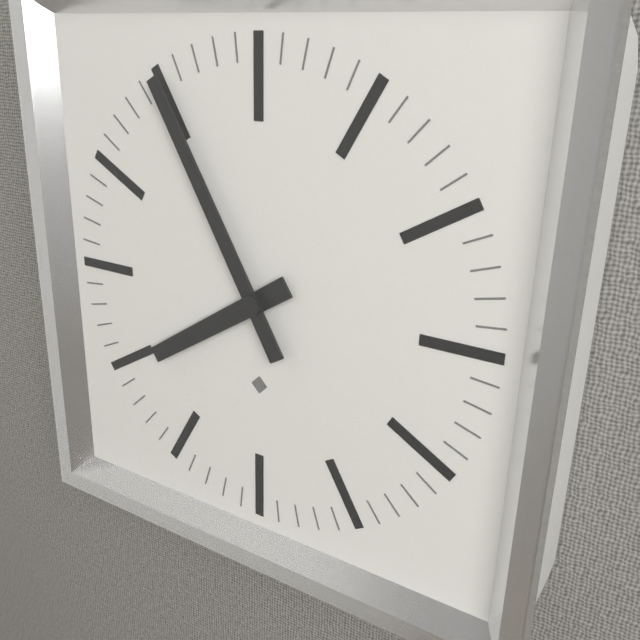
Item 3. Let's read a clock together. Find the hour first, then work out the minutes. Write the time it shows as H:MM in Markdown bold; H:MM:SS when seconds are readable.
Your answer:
**7:55**
